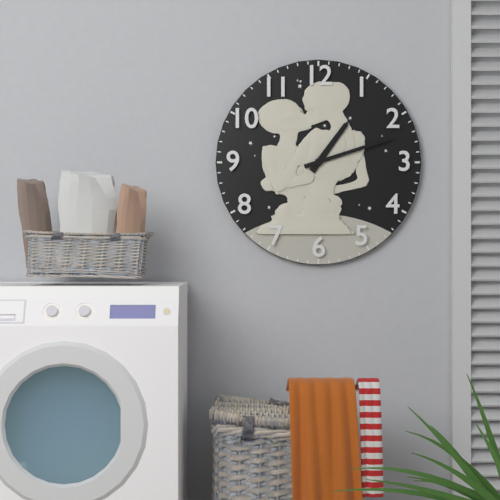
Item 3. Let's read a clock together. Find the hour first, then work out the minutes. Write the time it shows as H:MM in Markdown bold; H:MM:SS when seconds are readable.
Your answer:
**1:12**
